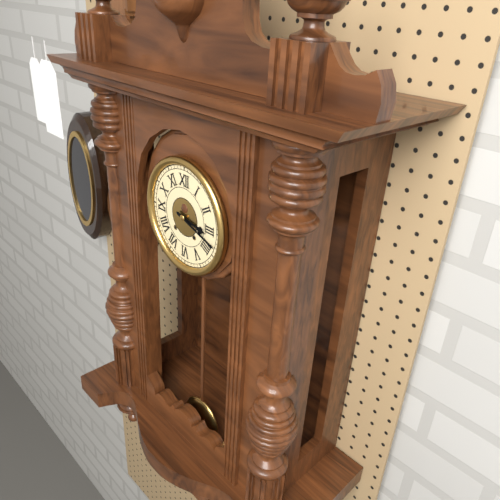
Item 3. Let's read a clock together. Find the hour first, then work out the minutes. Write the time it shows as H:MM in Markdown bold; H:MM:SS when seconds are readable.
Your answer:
**3:18**
